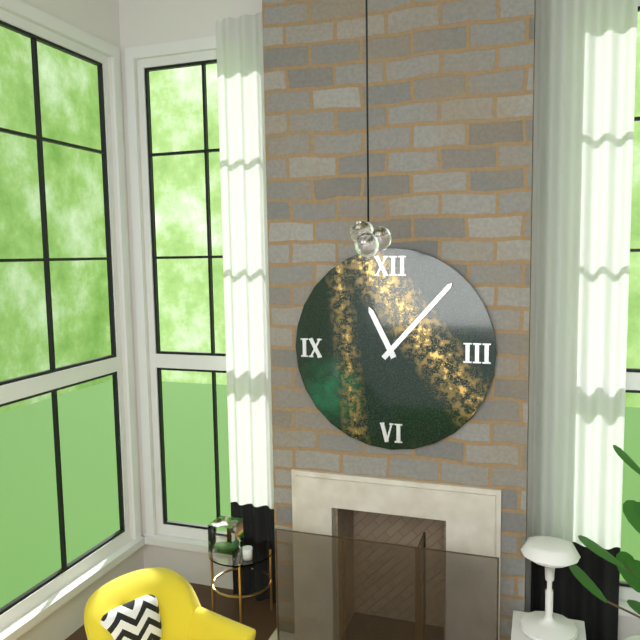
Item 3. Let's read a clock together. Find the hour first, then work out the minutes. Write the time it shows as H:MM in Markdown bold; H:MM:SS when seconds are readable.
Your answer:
**11:07**
